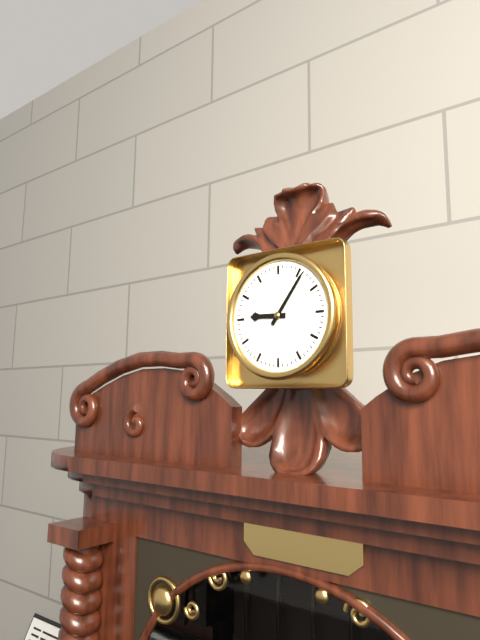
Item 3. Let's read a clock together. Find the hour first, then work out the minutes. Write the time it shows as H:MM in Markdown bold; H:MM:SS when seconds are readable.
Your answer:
**9:06**
